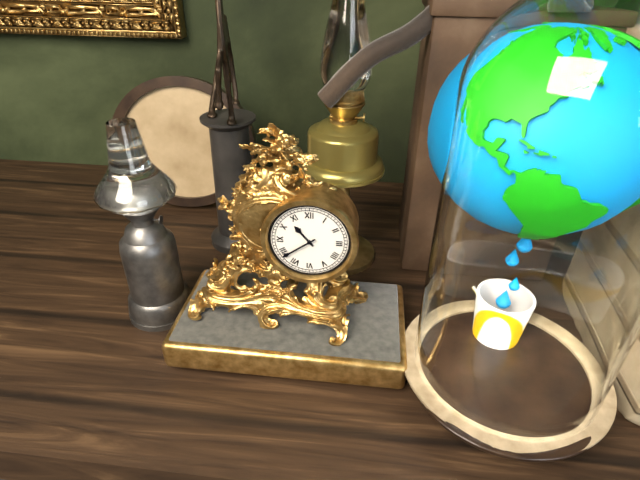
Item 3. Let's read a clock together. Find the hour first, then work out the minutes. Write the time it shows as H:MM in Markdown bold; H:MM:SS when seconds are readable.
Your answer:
**10:39**
